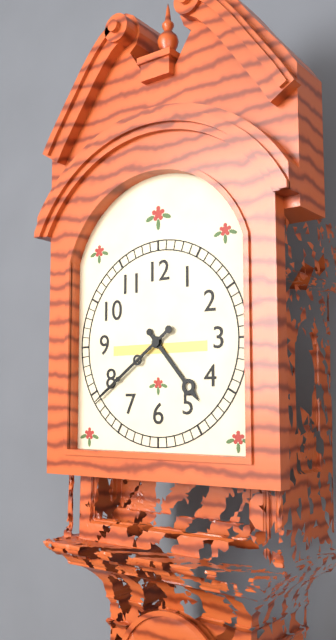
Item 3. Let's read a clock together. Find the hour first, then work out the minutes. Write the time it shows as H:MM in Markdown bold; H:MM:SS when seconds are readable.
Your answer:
**4:39**
